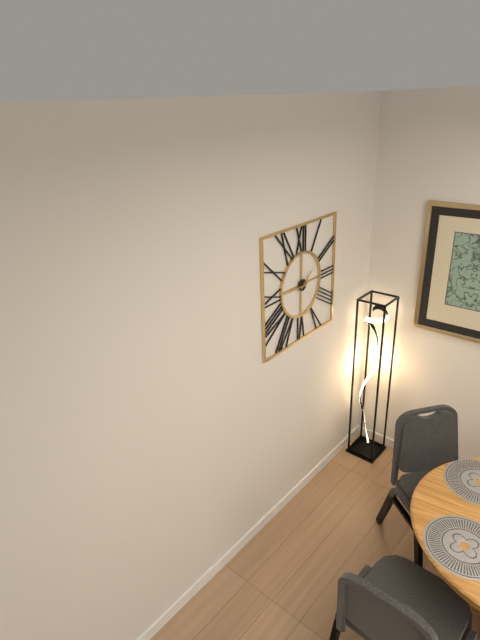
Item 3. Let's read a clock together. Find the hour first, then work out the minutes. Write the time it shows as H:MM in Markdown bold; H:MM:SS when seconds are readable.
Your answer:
**1:45**
